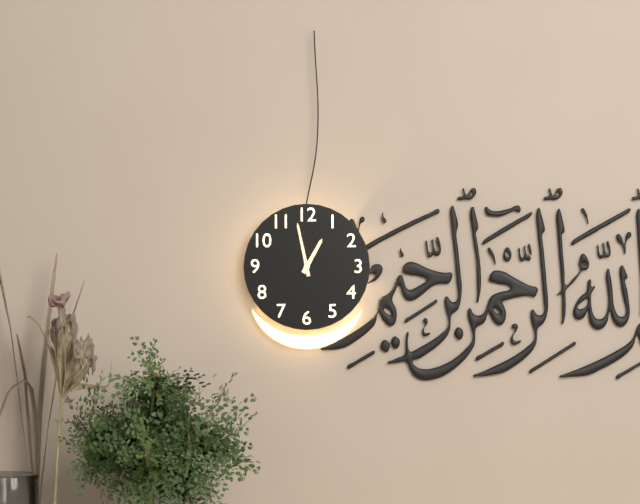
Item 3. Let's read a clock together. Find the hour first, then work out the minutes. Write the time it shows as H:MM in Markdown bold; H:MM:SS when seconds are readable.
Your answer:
**12:58**
